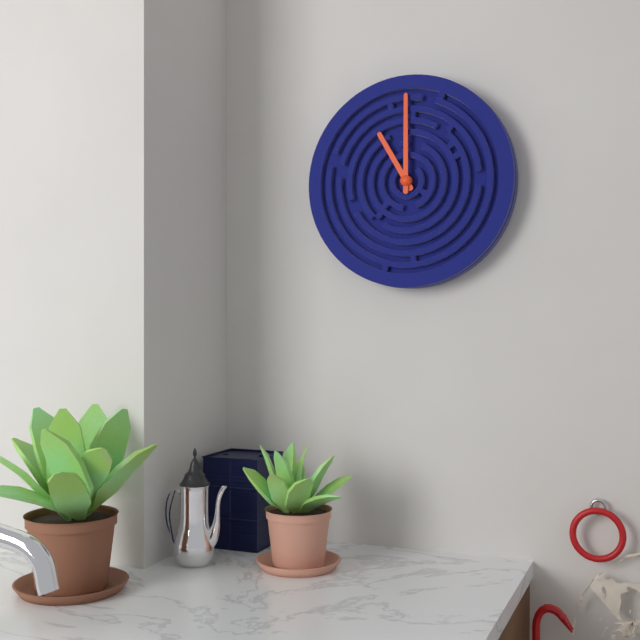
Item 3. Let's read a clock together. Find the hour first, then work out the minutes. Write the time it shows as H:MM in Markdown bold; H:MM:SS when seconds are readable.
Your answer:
**11:00**
